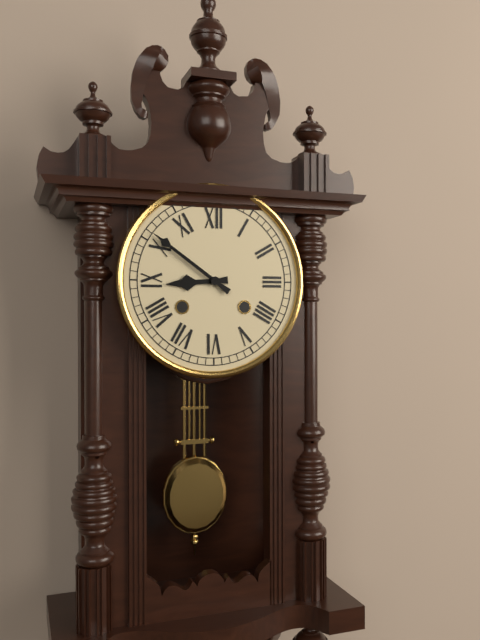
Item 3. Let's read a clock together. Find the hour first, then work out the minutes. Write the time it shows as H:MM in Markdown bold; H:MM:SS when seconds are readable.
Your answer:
**8:51**
